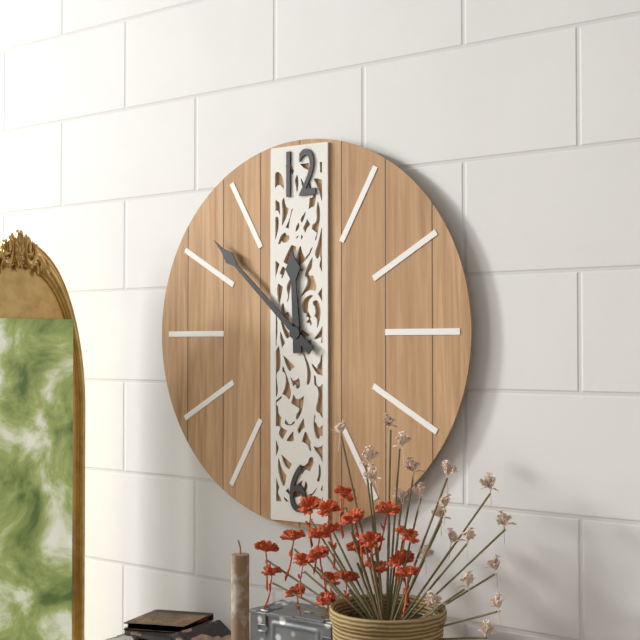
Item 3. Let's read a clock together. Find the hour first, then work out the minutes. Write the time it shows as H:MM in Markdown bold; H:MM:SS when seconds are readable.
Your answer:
**11:52**
